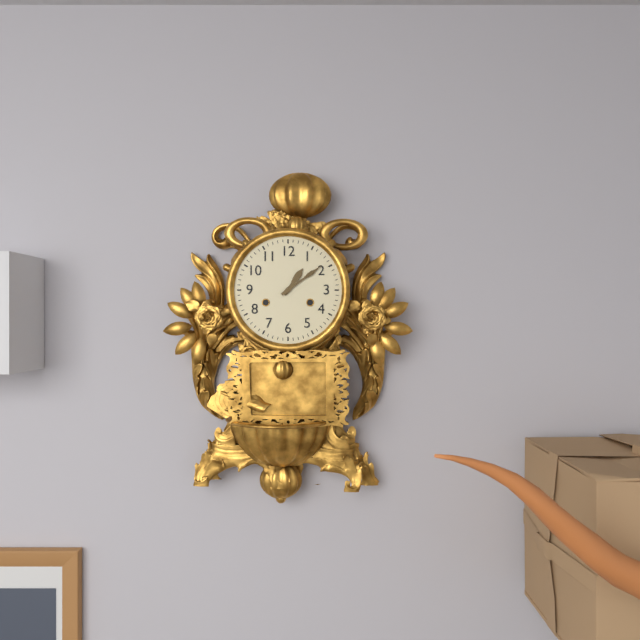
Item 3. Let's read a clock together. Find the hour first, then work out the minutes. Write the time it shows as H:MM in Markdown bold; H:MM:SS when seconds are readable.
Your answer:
**1:09**
